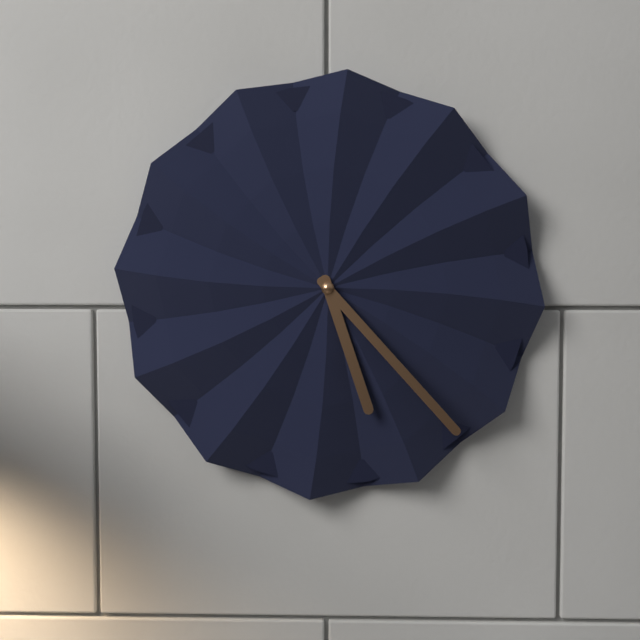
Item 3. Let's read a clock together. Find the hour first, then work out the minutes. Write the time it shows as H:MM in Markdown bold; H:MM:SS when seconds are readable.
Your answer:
**5:23**
